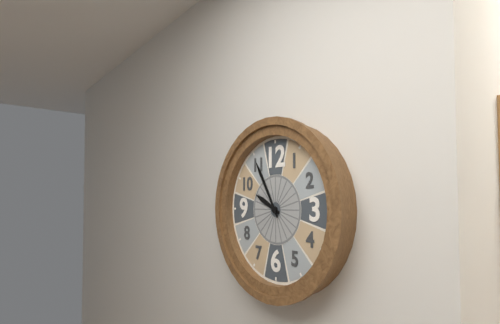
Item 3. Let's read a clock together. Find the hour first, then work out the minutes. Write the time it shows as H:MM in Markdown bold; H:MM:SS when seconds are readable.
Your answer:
**9:55**
